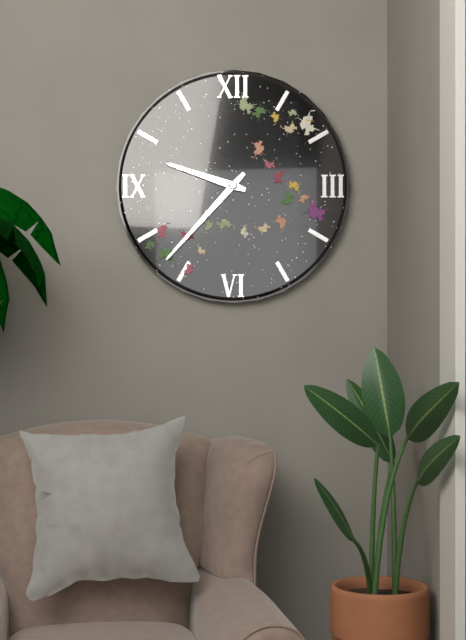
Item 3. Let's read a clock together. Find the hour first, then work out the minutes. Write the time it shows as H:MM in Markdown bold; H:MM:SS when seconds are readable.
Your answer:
**9:37**
